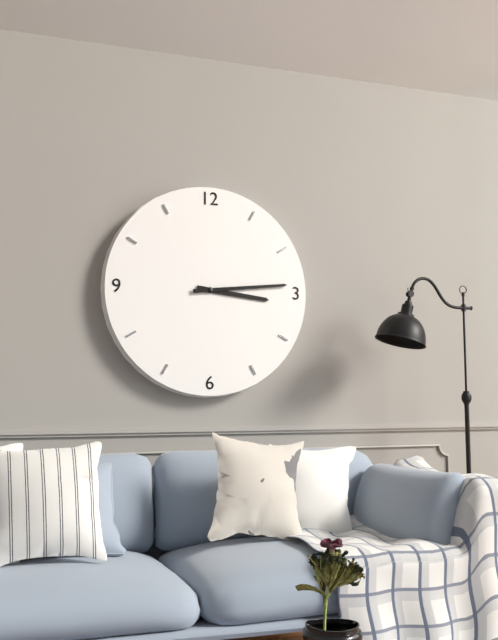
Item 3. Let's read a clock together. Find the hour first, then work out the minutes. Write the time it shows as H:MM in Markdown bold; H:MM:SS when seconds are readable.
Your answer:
**3:14**
